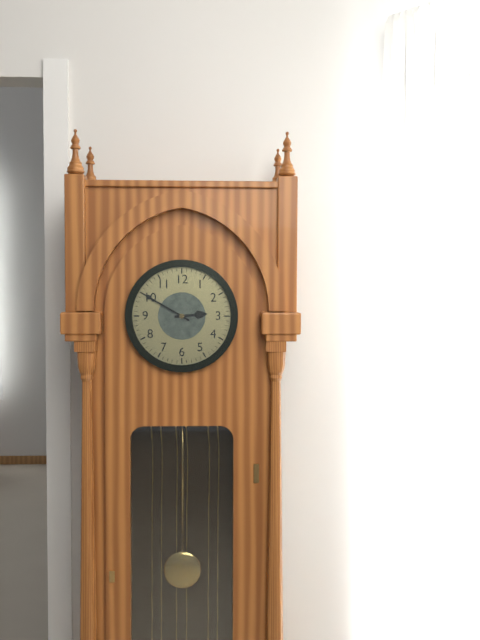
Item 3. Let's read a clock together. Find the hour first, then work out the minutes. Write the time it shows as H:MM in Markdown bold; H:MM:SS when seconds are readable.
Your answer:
**2:50**
